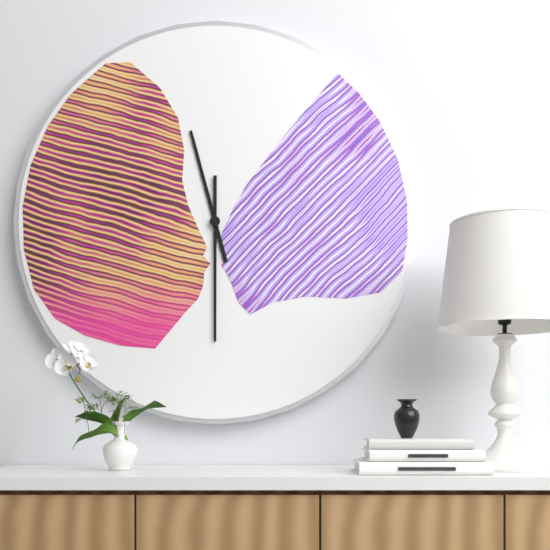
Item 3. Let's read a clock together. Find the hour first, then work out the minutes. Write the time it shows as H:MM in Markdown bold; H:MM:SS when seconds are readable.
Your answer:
**11:30**
